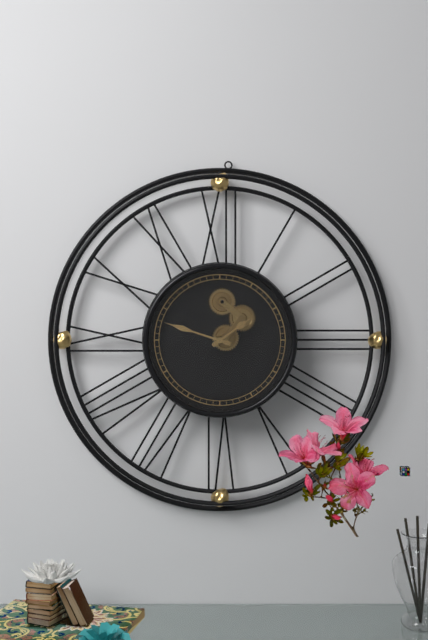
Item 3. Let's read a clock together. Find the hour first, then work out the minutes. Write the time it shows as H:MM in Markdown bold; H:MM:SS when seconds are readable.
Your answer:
**1:48**
